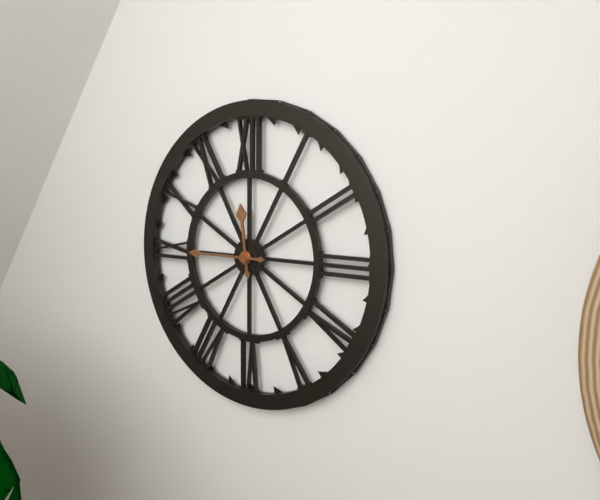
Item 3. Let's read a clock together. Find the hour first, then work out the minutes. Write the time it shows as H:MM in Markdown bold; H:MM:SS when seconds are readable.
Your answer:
**11:45**
